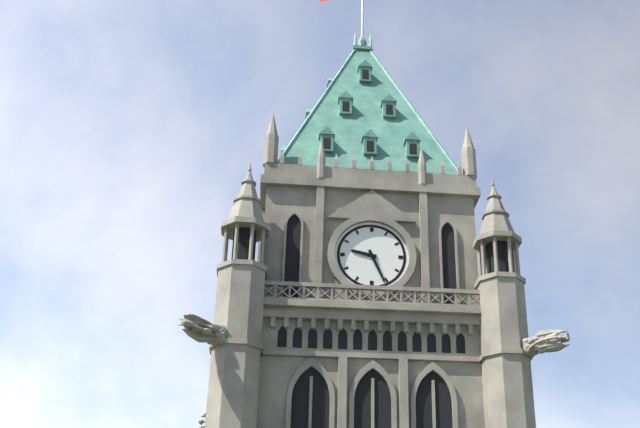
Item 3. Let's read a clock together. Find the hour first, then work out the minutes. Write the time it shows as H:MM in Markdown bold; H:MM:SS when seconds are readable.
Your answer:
**9:26**
